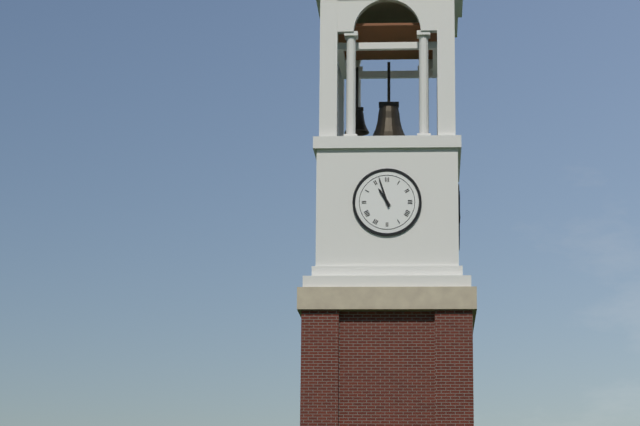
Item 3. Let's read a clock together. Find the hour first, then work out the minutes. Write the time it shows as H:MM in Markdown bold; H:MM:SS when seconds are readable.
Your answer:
**10:57**
